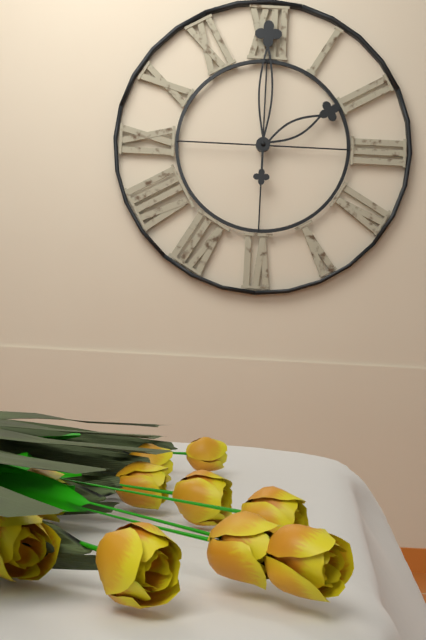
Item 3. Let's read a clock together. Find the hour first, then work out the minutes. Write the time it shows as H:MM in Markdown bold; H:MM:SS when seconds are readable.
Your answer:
**2:00**
